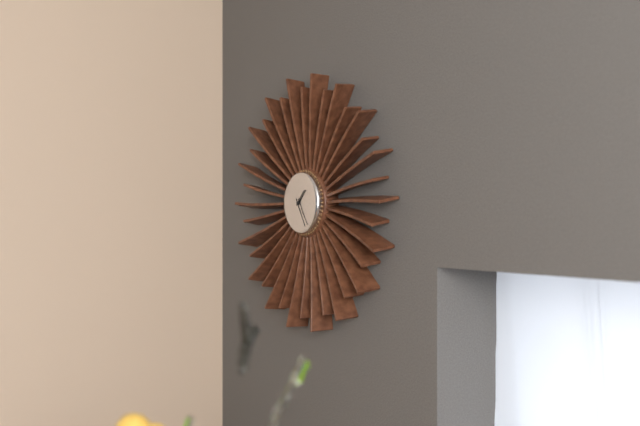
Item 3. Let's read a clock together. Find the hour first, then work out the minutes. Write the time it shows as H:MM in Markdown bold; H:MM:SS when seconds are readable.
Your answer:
**1:25**
